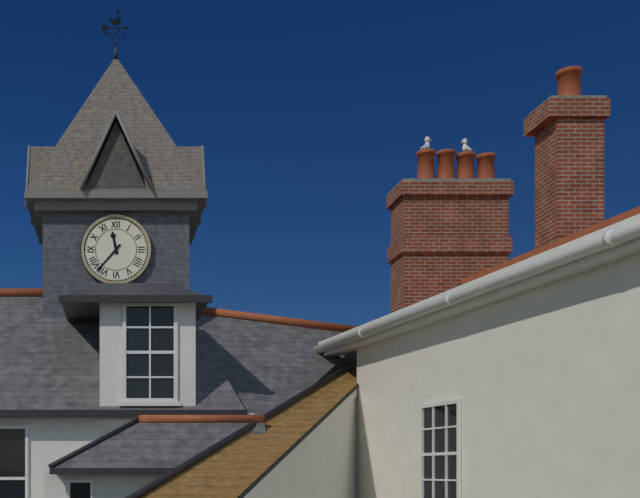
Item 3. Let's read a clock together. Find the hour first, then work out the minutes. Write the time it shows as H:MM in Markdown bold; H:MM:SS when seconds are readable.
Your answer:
**11:37**
